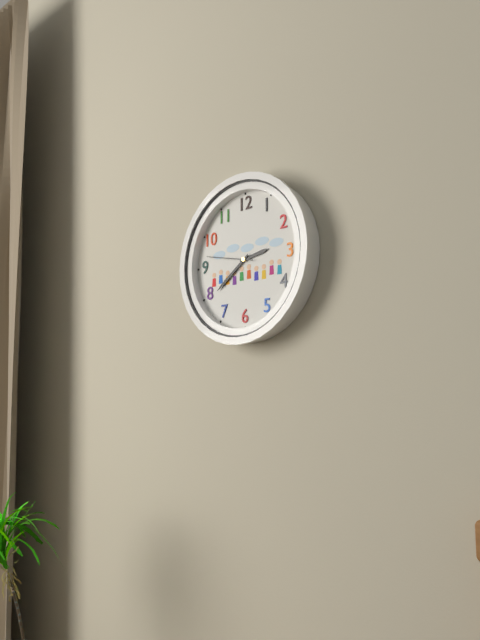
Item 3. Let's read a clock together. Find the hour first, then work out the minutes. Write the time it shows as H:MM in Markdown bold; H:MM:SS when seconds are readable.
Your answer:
**2:39**
